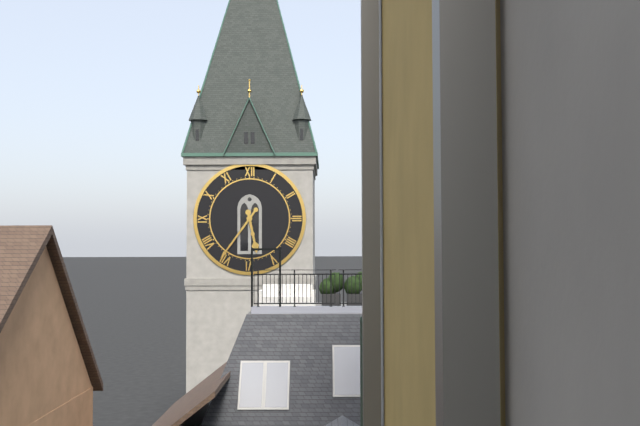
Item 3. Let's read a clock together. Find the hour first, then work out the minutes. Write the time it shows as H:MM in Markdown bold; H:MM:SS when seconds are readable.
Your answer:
**5:36**
